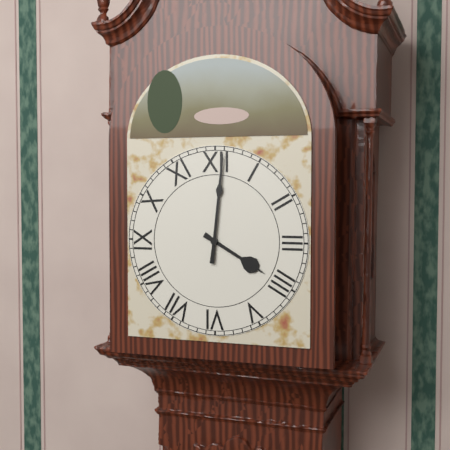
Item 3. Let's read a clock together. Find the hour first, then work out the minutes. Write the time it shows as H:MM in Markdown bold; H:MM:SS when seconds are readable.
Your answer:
**4:01**
